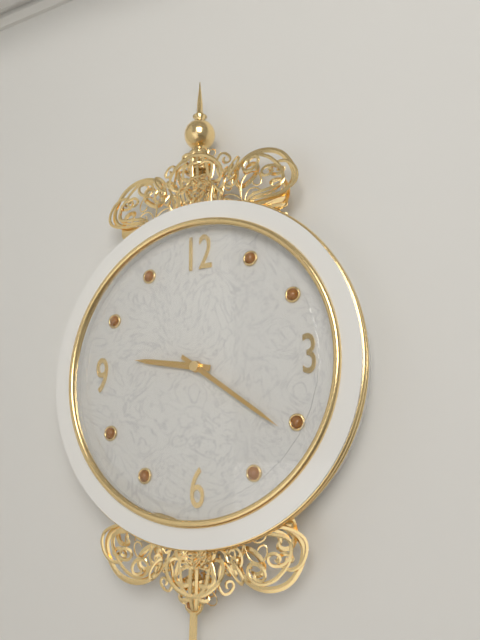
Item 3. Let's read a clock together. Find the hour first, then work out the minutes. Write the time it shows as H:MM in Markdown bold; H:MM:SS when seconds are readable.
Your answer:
**9:21**
